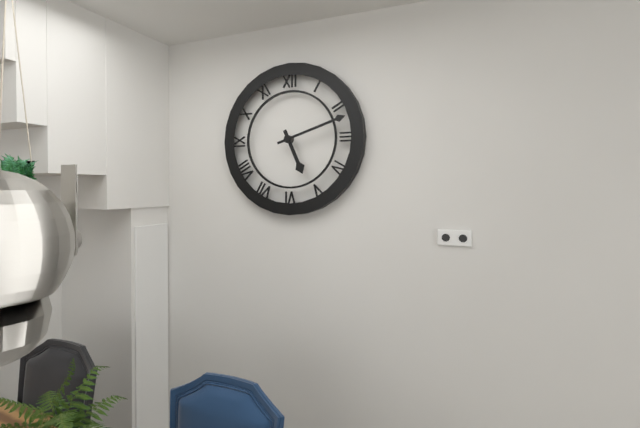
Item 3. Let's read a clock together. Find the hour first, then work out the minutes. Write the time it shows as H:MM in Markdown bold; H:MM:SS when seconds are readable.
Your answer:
**5:12**
